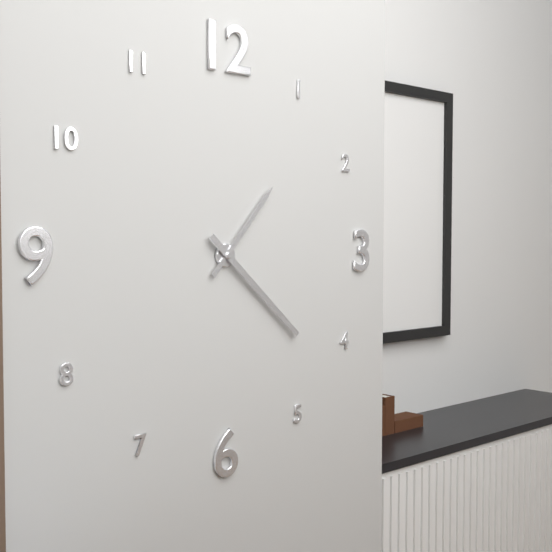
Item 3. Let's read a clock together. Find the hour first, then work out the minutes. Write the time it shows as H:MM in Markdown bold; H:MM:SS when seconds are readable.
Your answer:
**1:22**
